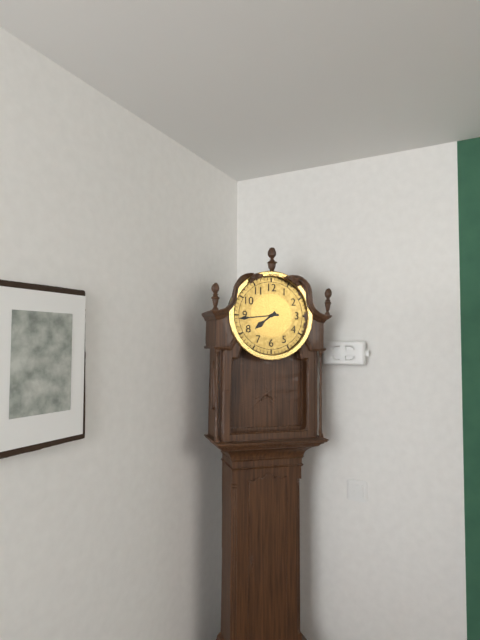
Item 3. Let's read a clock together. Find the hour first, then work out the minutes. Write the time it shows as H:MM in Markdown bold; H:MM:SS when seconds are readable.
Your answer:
**7:44**
